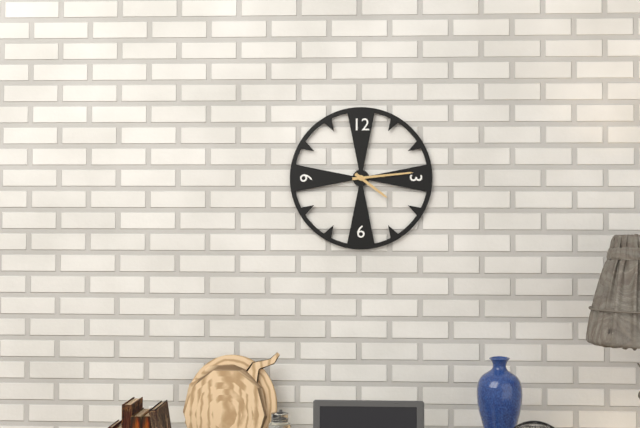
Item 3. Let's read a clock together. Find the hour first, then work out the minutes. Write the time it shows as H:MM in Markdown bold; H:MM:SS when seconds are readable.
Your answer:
**4:14**
